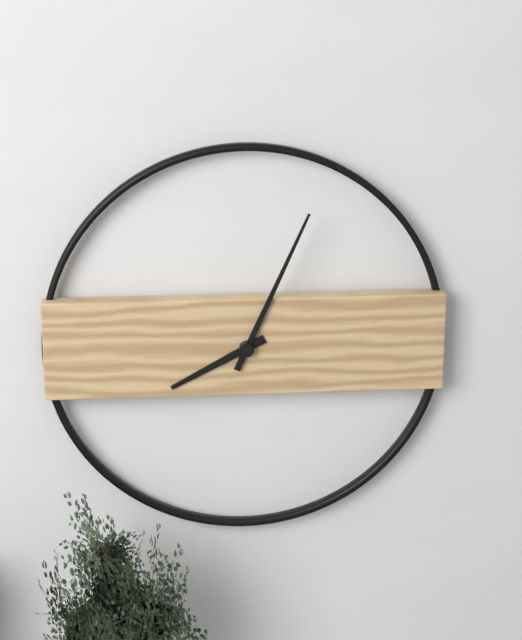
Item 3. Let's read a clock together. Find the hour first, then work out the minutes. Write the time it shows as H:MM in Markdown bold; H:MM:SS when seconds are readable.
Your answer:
**8:04**
